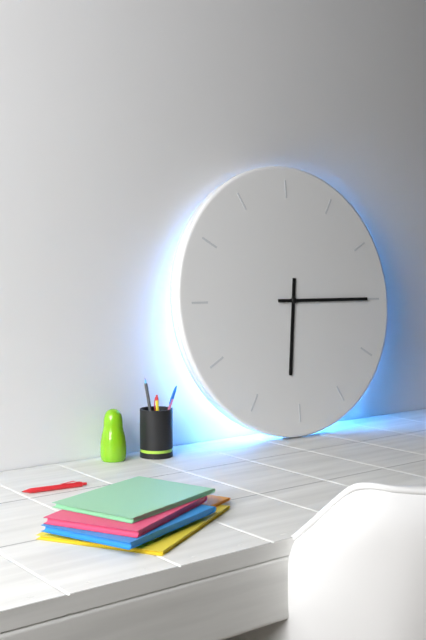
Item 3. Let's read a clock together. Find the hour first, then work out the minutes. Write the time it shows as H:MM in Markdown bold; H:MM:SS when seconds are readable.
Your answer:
**6:15**
